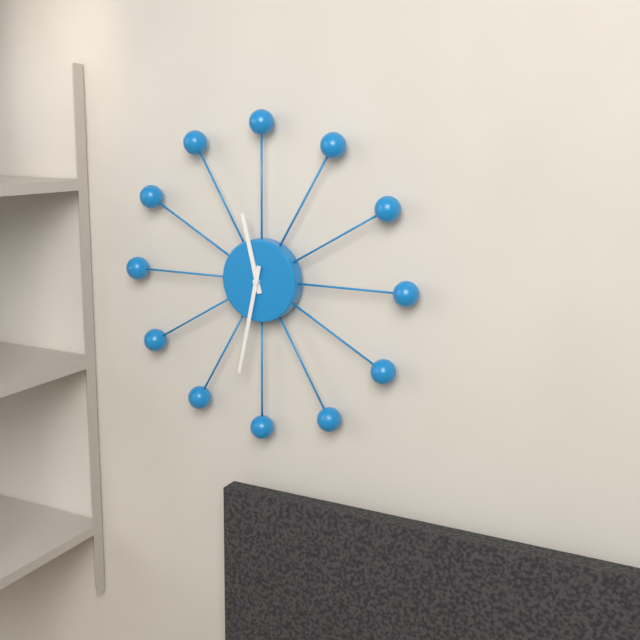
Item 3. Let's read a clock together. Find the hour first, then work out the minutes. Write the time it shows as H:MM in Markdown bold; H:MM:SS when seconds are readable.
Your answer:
**11:32**
